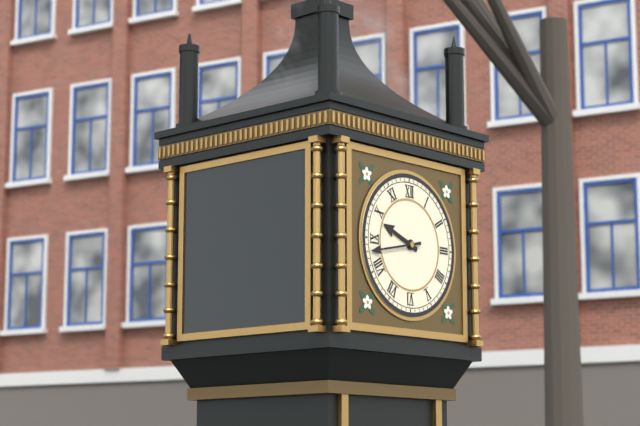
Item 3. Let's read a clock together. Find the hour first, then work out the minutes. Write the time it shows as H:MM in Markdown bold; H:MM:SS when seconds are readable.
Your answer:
**9:43**
